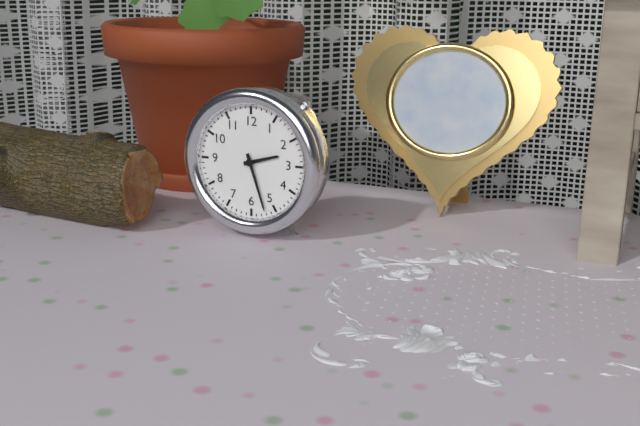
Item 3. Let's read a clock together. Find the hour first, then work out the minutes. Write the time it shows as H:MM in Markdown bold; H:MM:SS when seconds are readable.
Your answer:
**2:27**
